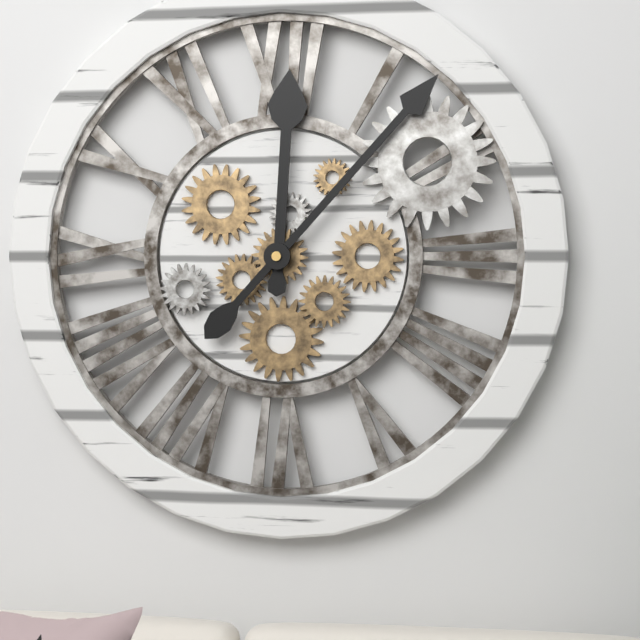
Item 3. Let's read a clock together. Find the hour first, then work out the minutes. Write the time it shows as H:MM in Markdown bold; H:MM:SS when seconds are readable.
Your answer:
**12:07**
